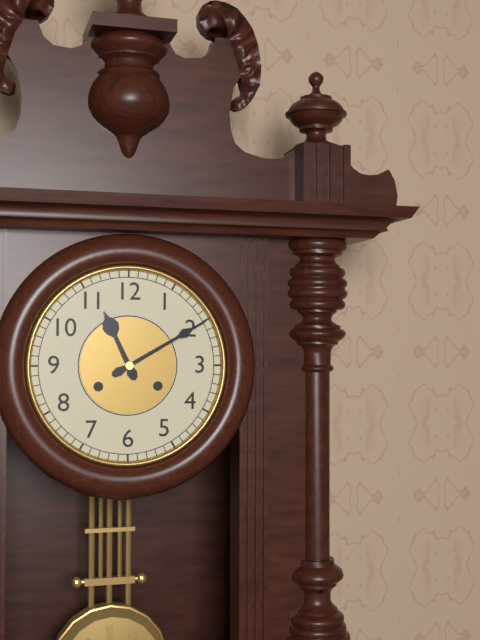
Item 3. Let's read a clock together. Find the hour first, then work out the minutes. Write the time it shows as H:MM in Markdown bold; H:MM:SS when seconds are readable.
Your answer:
**11:10**
